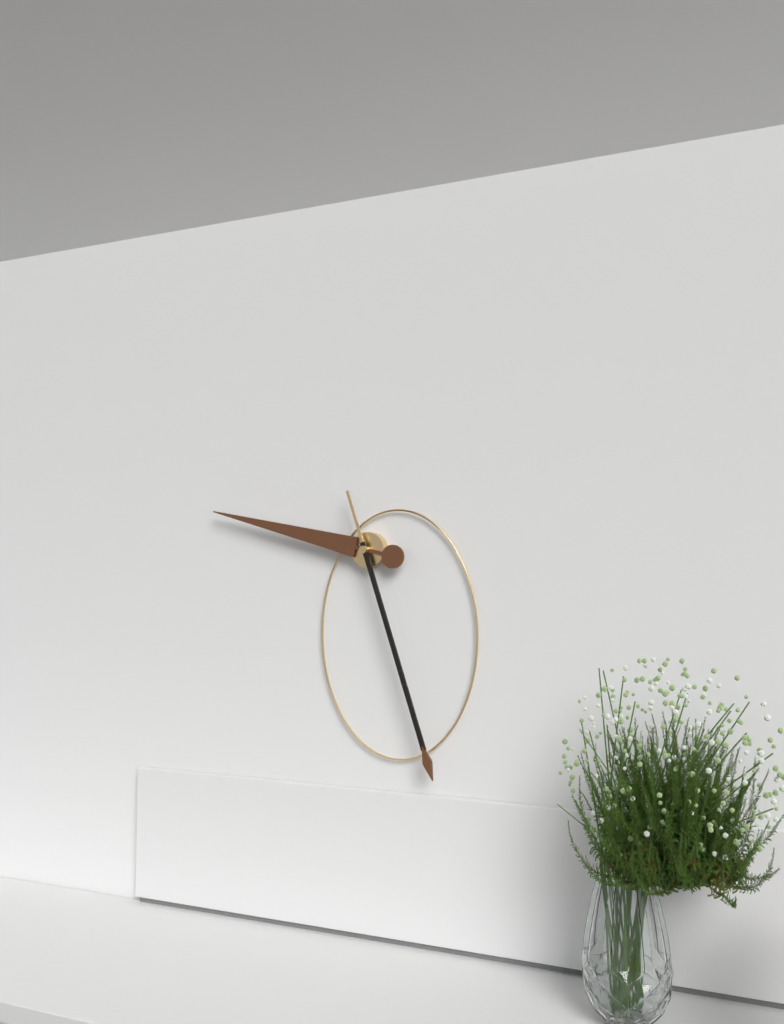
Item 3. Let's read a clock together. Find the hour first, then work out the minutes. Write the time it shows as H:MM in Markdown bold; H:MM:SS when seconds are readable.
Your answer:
**9:27**
